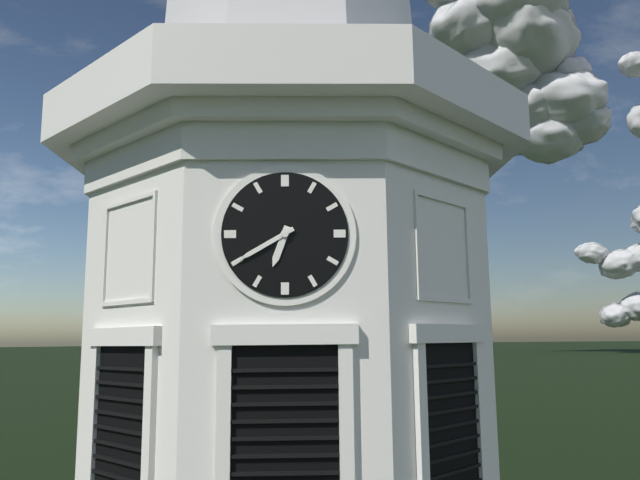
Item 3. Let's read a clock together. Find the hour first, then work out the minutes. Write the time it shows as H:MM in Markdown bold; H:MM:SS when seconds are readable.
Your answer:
**6:40**
